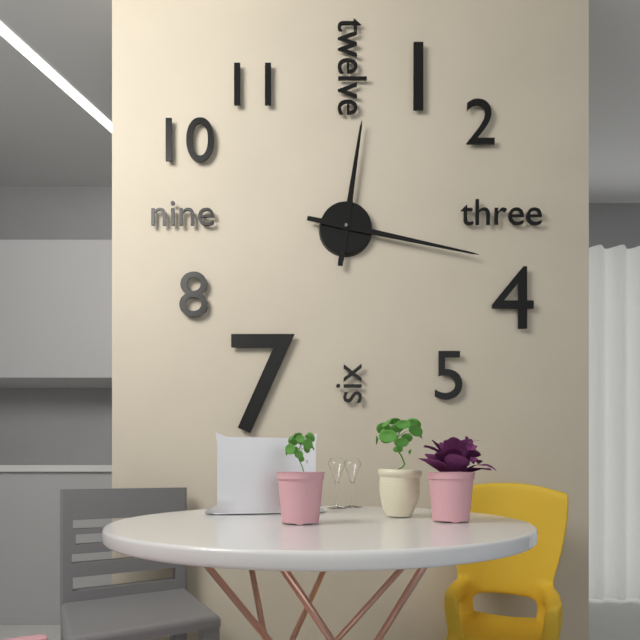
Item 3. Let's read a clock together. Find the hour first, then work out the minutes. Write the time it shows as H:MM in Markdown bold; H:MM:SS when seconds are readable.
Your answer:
**12:17**
